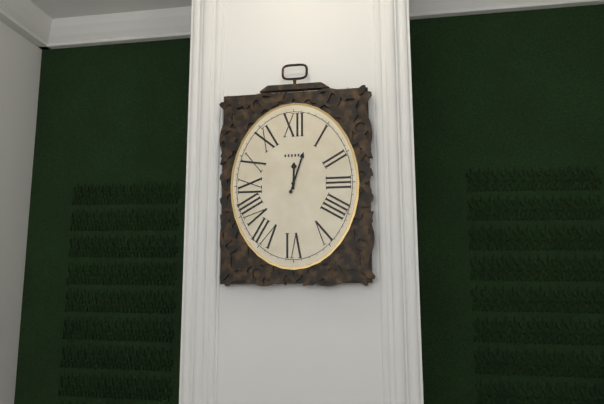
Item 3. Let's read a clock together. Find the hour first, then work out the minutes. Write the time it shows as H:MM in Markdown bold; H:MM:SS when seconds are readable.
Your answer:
**12:03**
